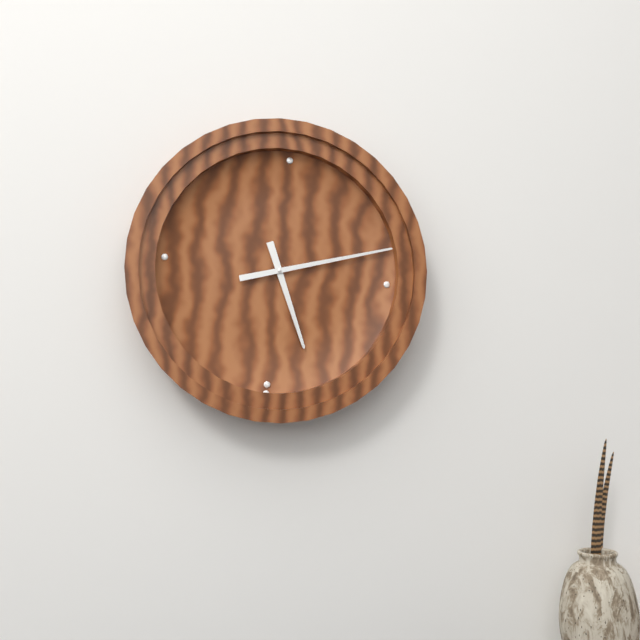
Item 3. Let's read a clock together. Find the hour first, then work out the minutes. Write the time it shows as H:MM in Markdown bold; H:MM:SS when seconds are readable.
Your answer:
**5:12**
